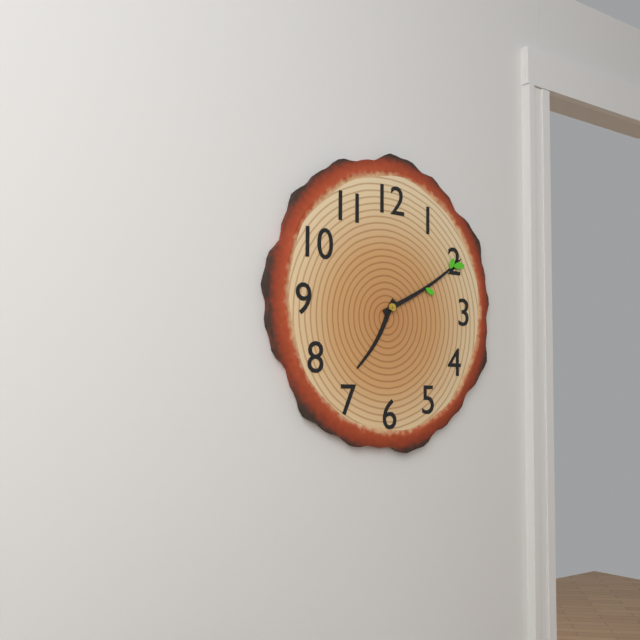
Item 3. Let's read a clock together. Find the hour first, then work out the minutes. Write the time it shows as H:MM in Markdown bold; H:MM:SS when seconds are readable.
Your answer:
**7:10**
